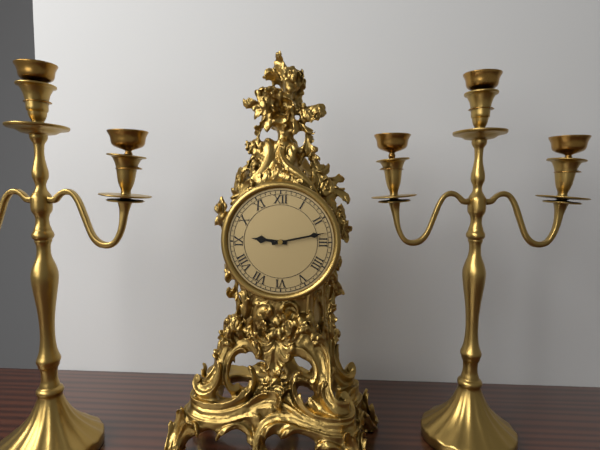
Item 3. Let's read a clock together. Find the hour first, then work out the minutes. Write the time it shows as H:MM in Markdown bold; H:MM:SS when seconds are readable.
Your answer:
**9:13**
